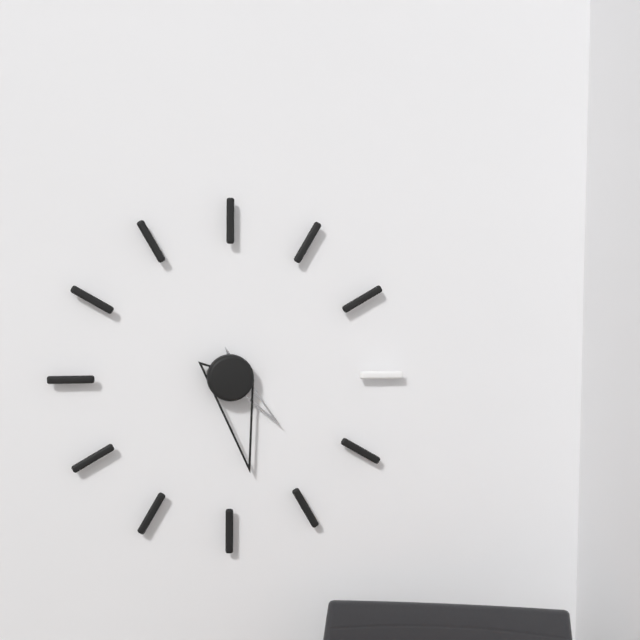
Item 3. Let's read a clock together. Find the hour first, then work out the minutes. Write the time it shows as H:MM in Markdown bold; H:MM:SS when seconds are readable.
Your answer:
**4:28**
